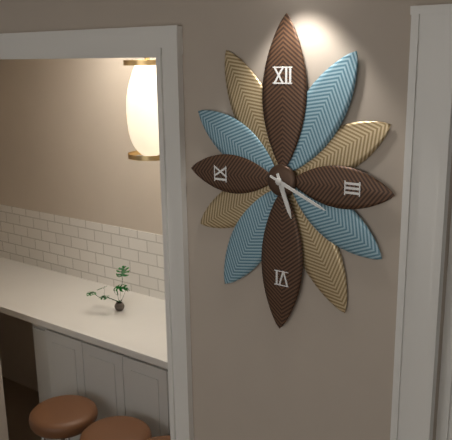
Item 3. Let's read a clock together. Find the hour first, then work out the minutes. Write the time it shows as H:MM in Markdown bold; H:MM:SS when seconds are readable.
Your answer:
**5:19**
